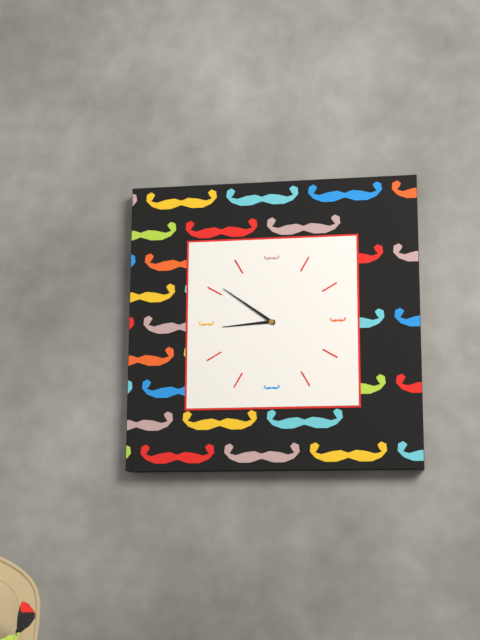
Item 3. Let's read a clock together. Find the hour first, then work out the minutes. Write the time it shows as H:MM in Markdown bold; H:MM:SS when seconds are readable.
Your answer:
**8:51**
